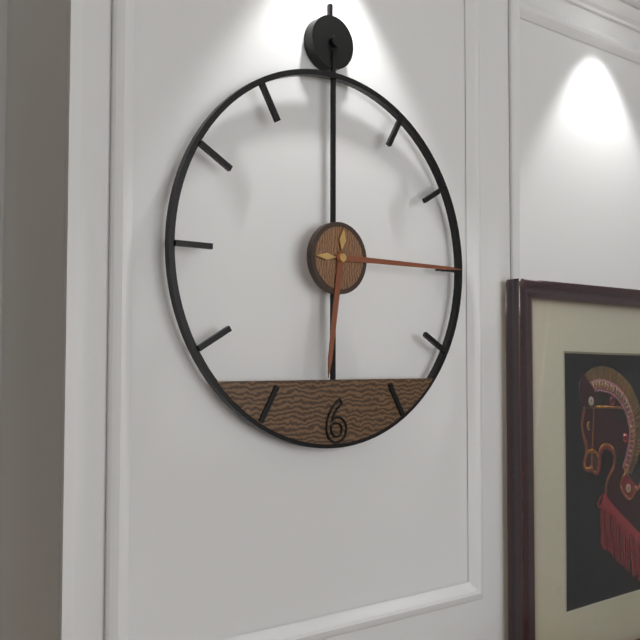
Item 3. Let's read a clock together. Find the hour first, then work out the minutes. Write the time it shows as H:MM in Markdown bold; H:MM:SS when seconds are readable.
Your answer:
**6:15**
